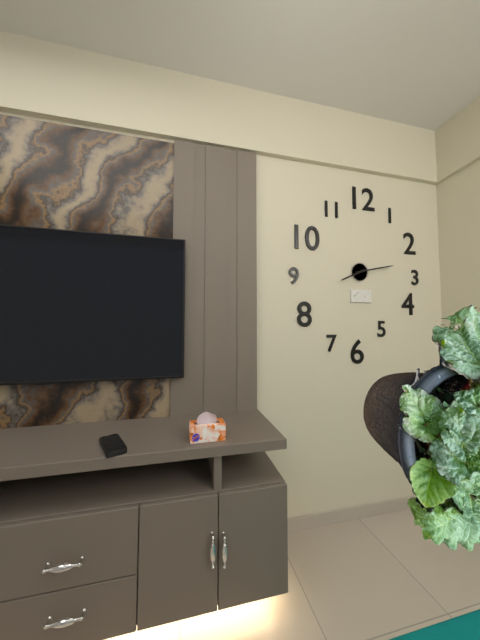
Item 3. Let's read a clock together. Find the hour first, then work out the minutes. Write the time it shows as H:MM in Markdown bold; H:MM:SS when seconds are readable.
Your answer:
**8:13**
